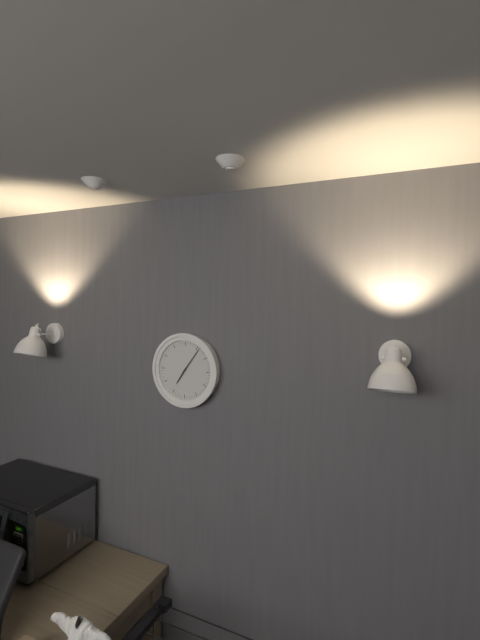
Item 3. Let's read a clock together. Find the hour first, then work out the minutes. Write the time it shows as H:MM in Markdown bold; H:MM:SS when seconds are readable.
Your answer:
**7:06**
